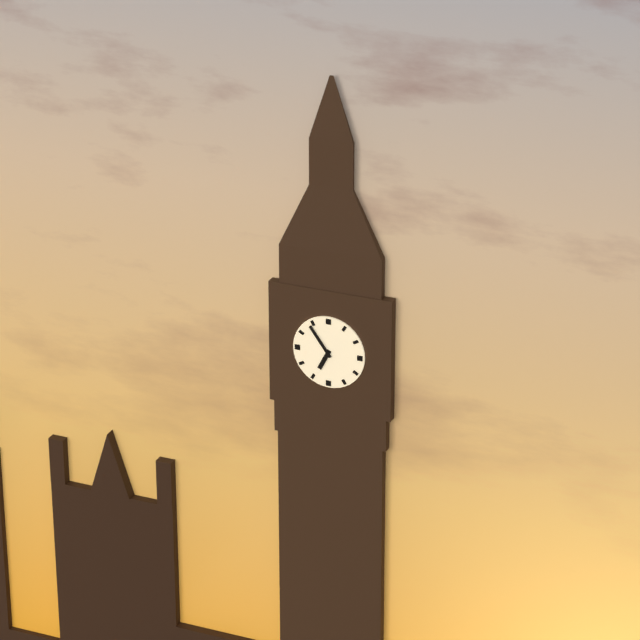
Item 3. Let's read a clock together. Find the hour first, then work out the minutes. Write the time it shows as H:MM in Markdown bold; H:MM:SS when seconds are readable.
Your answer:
**6:54**
